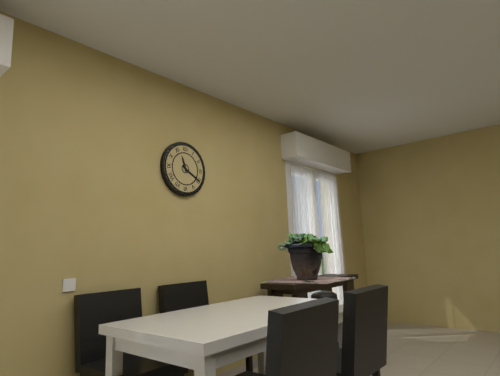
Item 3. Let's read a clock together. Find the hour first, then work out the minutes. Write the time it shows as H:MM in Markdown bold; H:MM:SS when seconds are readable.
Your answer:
**11:20**
